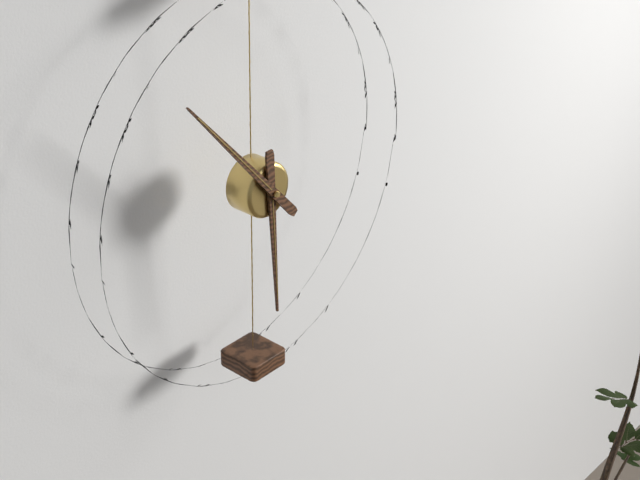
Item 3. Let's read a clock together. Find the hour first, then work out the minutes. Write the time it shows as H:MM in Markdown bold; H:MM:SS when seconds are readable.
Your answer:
**5:53**
